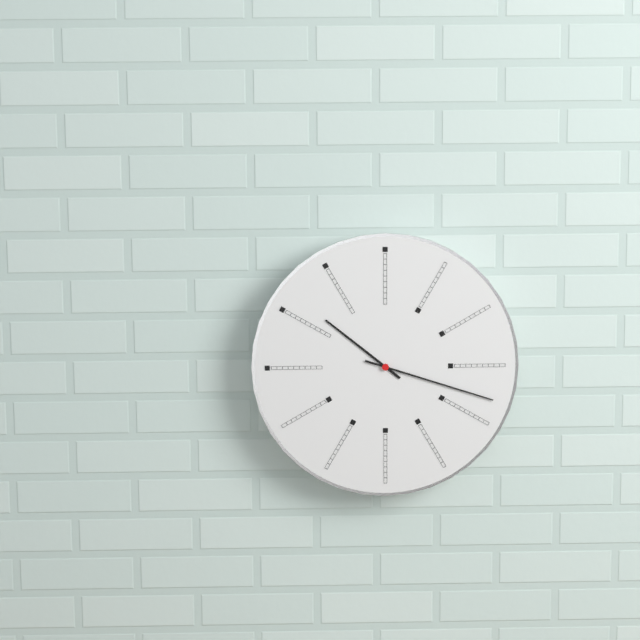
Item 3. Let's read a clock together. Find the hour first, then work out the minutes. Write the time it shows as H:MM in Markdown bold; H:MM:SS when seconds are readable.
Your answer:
**10:18**
